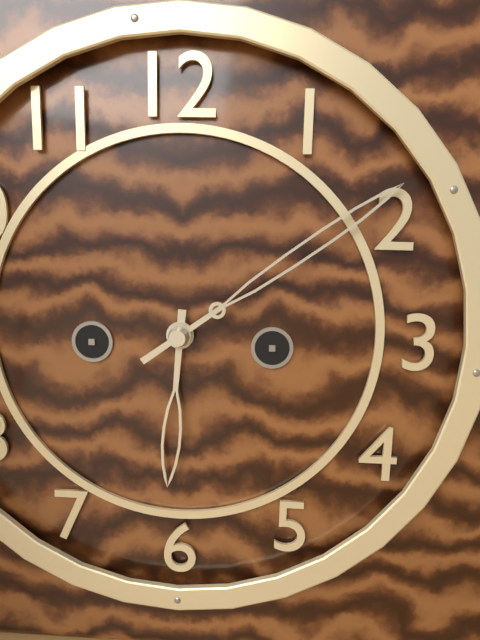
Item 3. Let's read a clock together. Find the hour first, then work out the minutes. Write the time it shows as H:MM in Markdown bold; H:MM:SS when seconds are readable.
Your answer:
**6:09**
